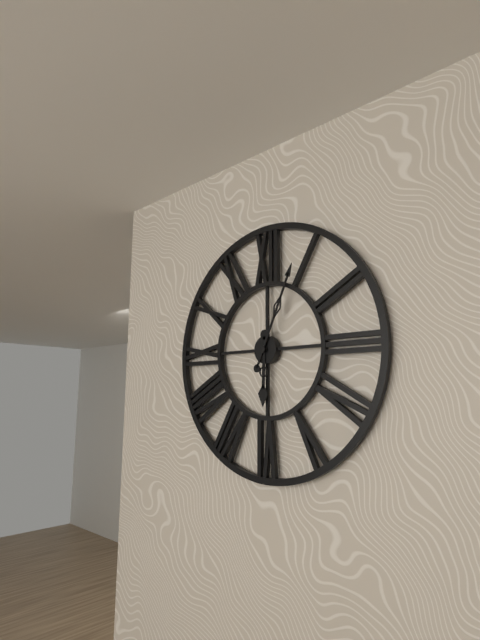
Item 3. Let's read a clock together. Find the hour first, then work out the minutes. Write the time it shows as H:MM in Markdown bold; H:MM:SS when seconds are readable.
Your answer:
**6:04**
